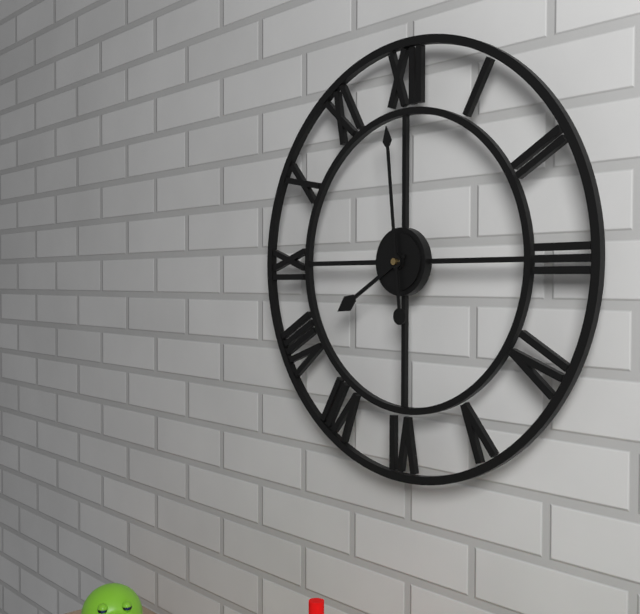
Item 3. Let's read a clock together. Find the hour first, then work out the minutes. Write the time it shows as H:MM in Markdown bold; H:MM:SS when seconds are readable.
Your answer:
**7:59**
